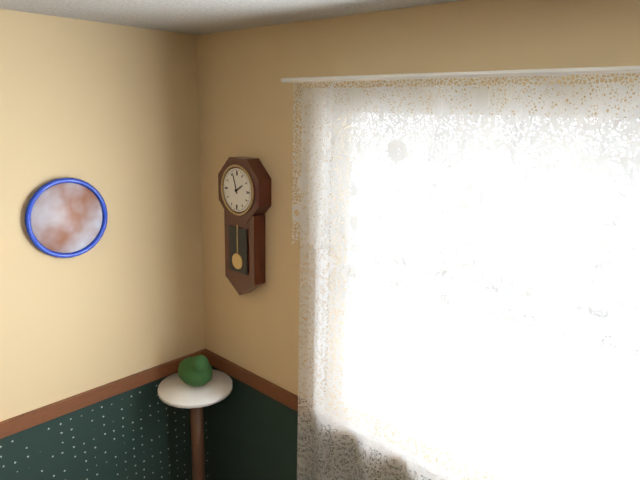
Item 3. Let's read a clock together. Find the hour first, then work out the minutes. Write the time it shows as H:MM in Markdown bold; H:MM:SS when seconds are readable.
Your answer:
**1:57**
